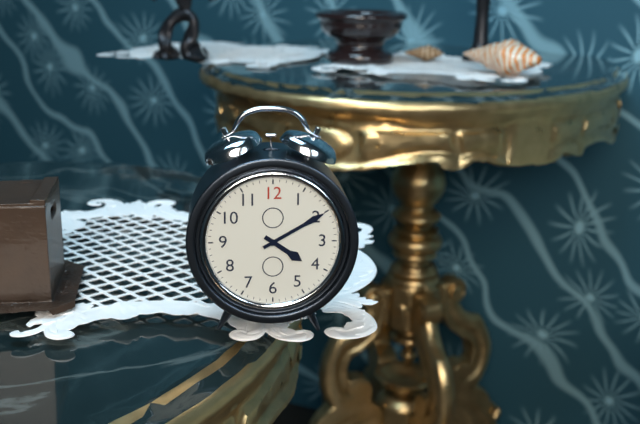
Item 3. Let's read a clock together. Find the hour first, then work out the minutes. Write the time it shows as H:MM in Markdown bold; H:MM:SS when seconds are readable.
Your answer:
**4:10**
